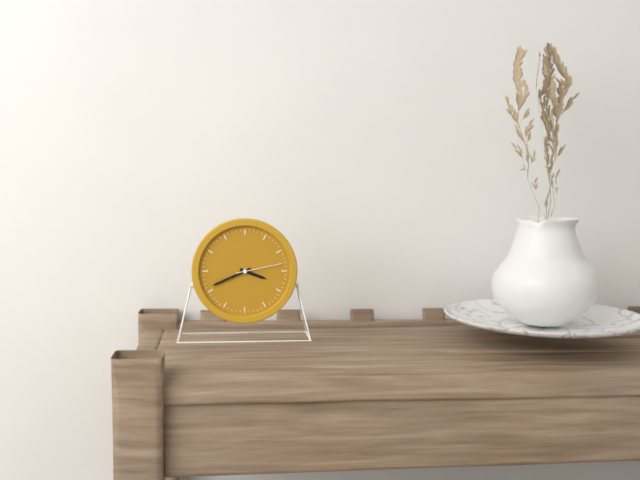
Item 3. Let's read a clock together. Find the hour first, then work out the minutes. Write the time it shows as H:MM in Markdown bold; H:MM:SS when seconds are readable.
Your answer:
**3:41**
